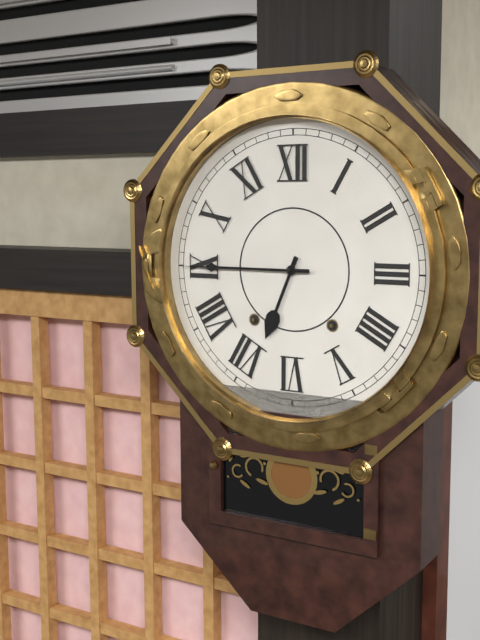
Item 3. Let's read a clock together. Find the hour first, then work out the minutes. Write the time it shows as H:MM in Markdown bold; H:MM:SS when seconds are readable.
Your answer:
**6:45**
